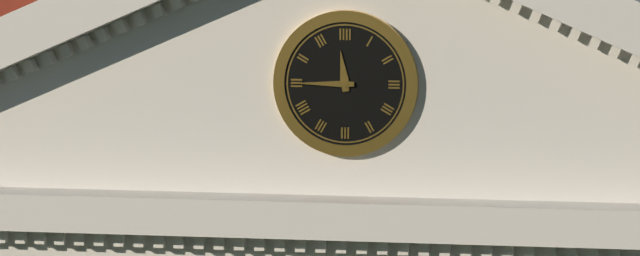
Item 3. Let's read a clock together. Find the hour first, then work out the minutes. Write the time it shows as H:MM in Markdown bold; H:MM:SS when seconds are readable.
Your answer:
**11:45**
